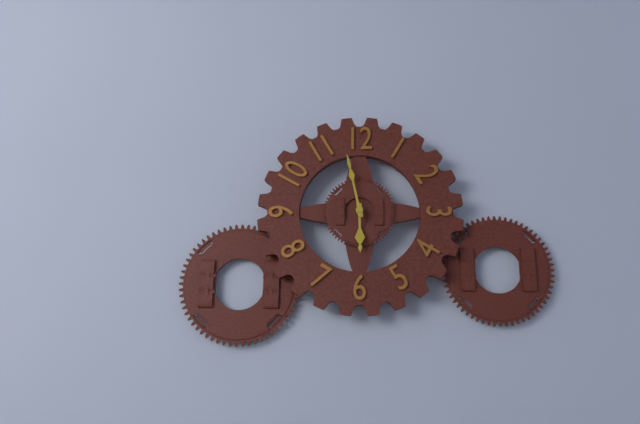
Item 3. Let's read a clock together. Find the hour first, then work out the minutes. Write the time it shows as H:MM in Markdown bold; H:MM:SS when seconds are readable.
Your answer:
**5:58**
